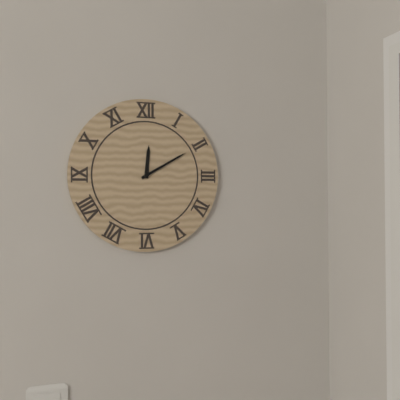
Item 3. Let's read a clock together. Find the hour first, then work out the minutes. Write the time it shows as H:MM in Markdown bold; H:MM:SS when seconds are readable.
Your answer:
**12:10**
